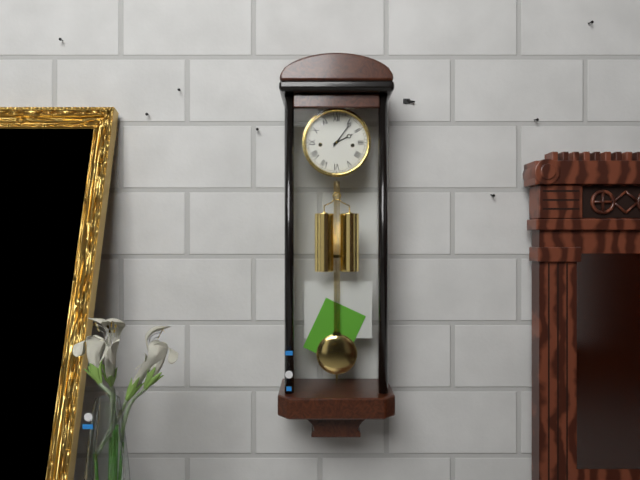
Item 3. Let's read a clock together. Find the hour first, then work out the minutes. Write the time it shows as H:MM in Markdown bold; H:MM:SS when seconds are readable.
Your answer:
**2:06**
